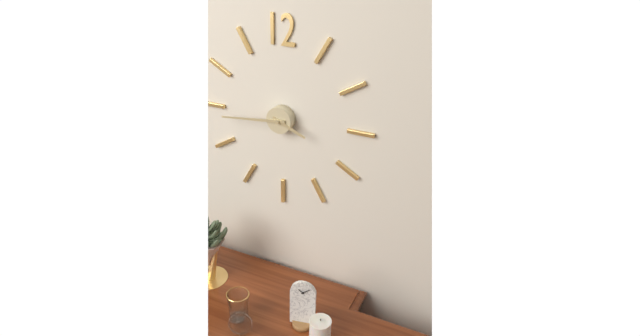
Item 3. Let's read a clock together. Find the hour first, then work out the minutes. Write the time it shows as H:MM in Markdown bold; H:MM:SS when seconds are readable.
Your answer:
**3:44**
